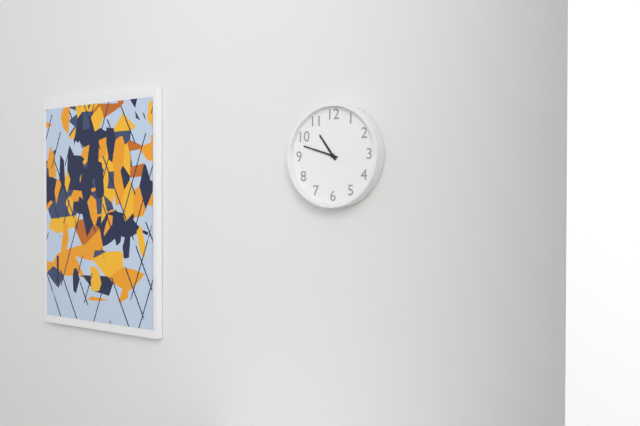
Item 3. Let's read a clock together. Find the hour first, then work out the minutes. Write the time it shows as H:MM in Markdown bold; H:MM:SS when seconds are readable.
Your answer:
**10:48**
